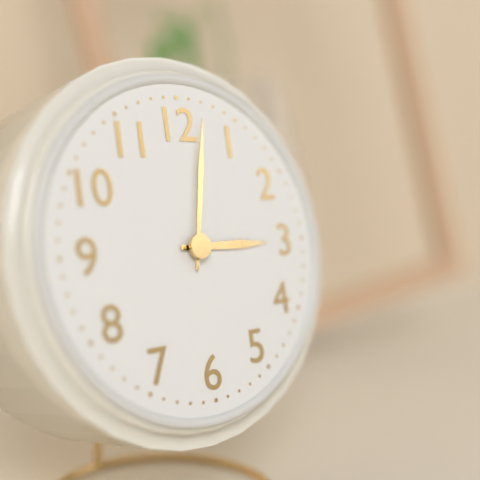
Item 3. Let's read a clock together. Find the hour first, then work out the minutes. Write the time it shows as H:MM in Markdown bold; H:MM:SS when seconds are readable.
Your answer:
**3:02**
